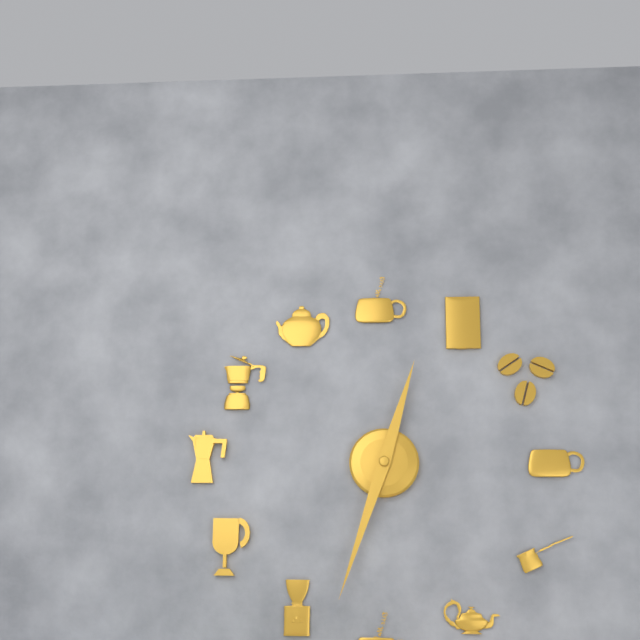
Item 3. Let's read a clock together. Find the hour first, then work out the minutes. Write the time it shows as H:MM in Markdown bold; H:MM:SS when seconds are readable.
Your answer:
**12:33**
